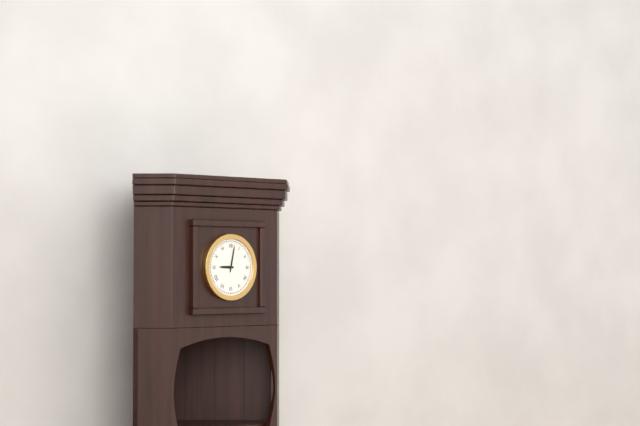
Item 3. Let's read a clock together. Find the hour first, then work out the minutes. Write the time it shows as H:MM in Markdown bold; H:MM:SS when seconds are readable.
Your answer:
**9:02**
